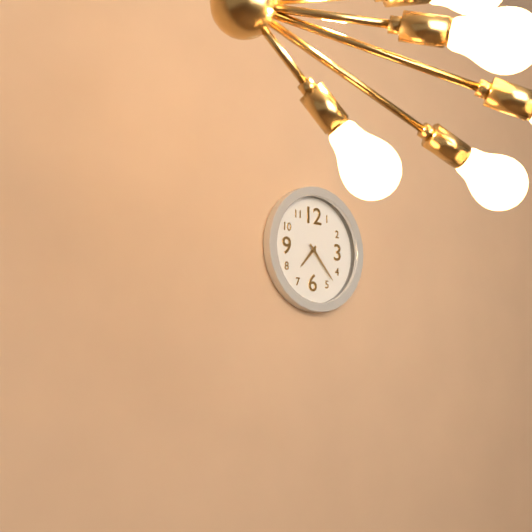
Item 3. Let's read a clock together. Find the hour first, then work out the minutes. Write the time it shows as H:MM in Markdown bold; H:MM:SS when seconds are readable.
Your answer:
**7:23**
